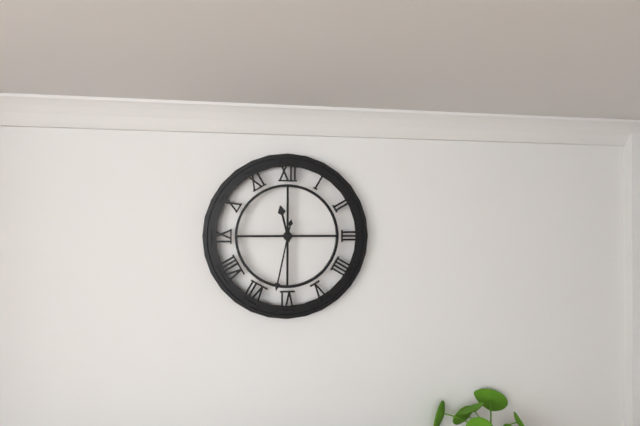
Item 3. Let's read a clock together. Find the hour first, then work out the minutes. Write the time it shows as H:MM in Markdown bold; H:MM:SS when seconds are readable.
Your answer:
**11:32**
